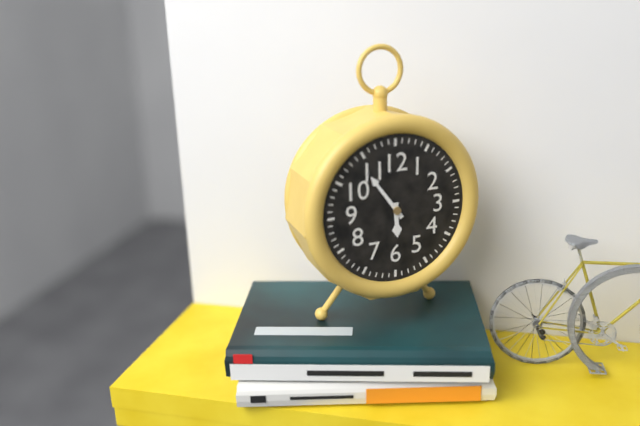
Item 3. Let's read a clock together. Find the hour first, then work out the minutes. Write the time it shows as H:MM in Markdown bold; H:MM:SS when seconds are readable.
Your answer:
**5:54**
